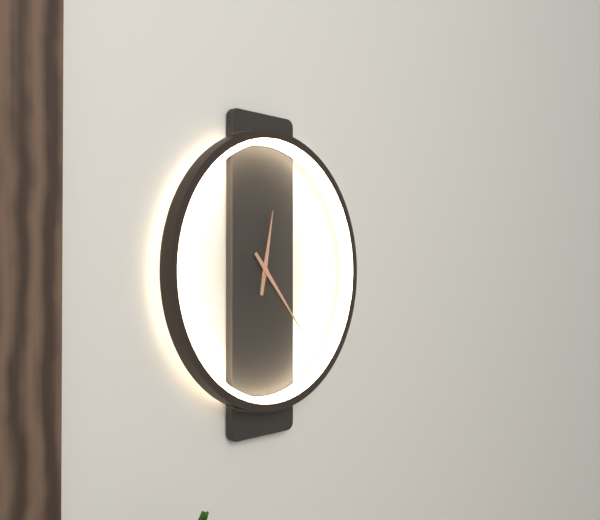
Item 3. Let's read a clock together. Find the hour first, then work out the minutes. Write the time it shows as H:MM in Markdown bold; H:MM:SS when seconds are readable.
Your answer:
**12:23**
